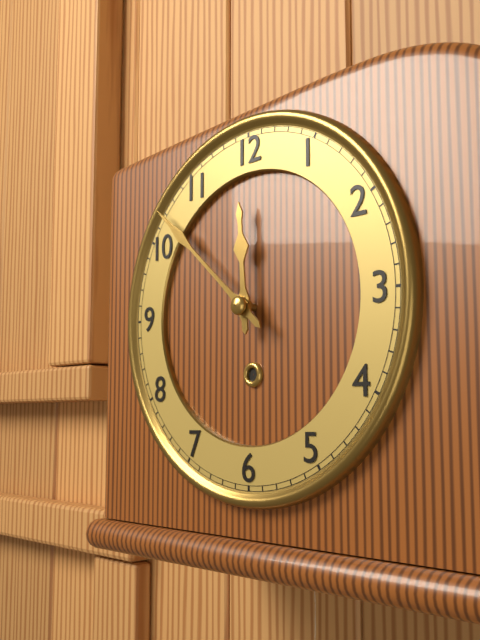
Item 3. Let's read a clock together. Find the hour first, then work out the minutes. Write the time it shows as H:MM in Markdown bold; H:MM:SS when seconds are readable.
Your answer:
**11:52**
